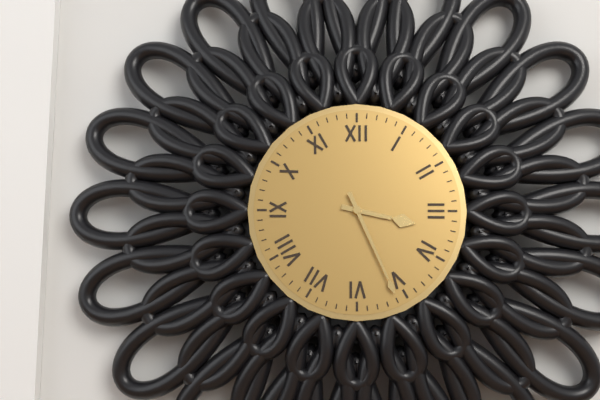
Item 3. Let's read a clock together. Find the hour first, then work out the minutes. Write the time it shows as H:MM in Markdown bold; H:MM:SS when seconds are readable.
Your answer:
**3:26**
